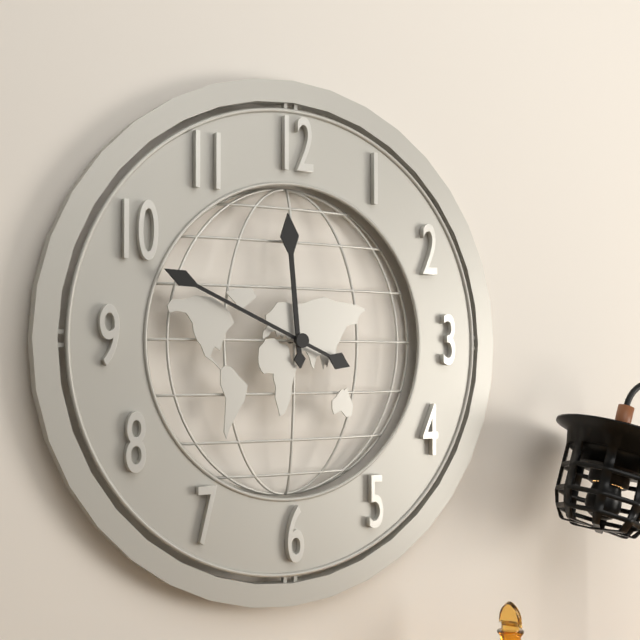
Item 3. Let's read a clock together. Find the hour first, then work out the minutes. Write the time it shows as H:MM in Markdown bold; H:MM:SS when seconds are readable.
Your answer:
**11:49**
